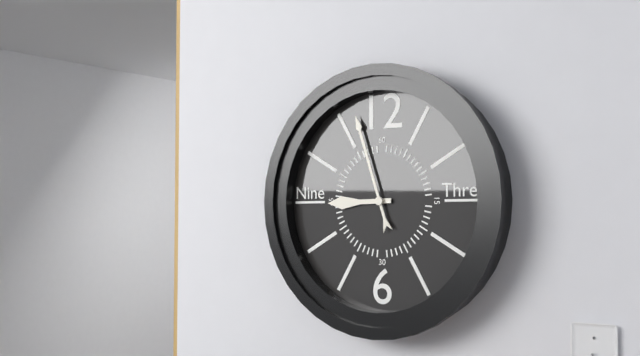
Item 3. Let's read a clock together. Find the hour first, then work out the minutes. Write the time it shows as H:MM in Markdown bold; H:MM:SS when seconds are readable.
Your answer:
**8:57**
